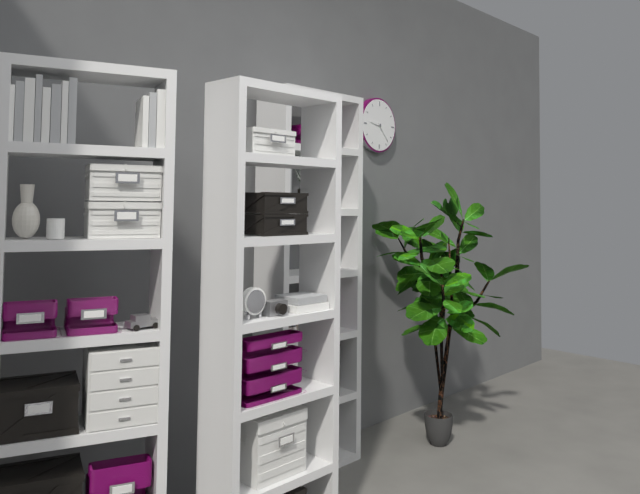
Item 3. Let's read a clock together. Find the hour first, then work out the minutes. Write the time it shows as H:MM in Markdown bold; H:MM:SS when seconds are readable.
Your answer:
**9:23**
